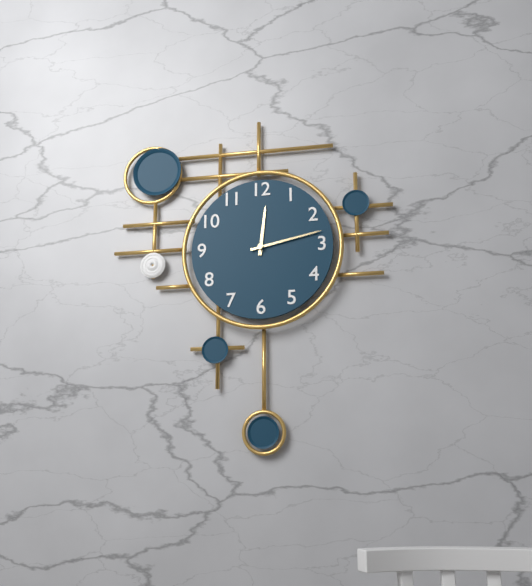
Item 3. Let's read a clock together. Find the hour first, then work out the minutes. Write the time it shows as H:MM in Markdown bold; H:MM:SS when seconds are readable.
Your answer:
**12:13**
